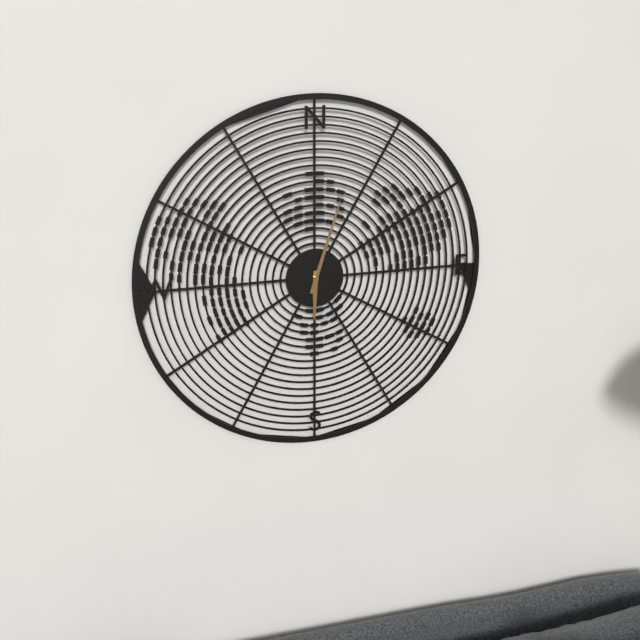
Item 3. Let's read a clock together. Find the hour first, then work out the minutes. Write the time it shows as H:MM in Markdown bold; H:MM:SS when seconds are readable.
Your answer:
**6:03**
